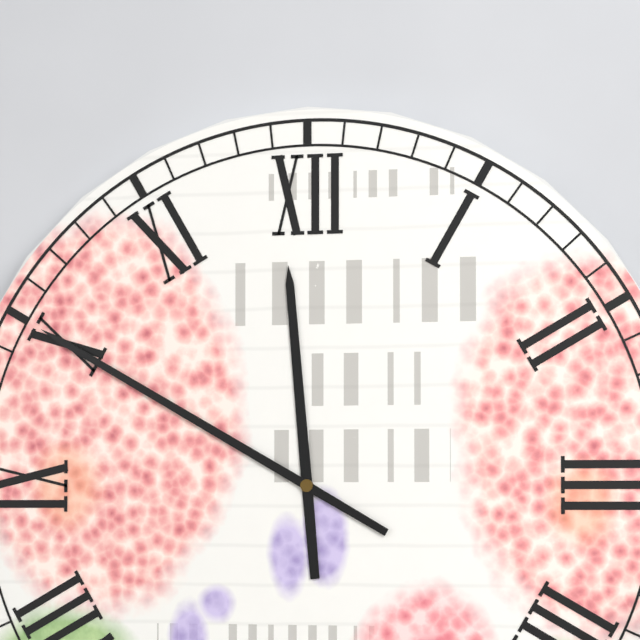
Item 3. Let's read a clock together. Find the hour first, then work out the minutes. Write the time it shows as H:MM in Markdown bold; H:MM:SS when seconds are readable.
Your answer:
**11:50**
